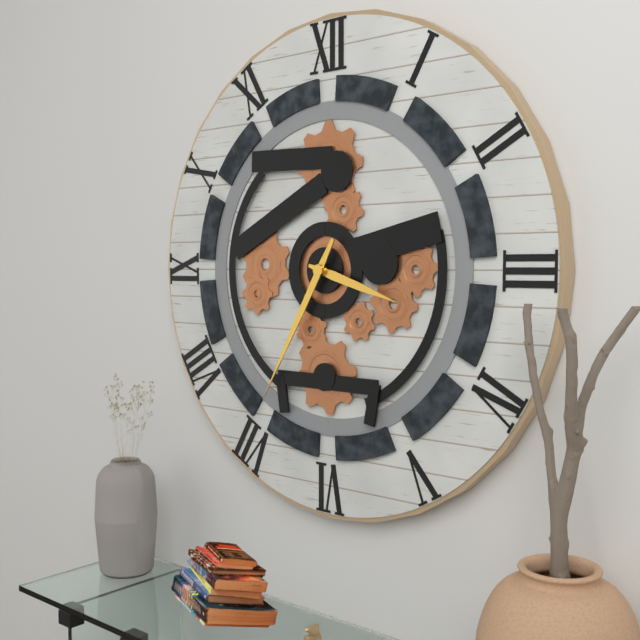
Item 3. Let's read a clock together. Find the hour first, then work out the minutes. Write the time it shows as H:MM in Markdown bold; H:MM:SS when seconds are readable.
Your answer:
**3:35**
